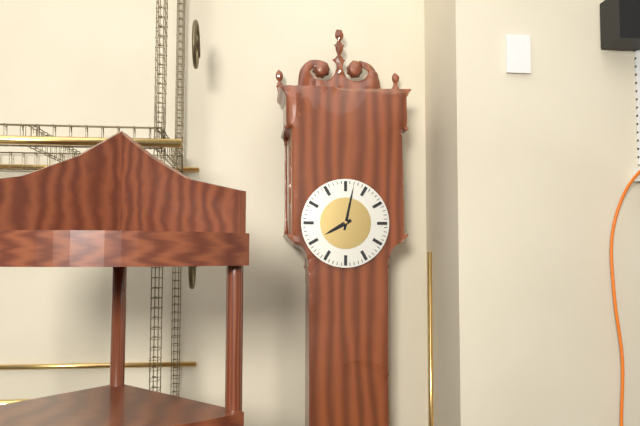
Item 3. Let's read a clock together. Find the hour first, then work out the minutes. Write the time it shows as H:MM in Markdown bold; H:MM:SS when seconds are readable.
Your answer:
**8:02**
